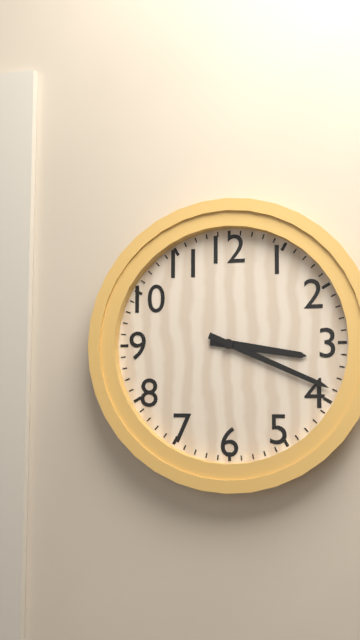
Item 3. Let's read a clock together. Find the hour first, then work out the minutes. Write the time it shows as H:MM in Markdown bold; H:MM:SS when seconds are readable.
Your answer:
**3:19**
